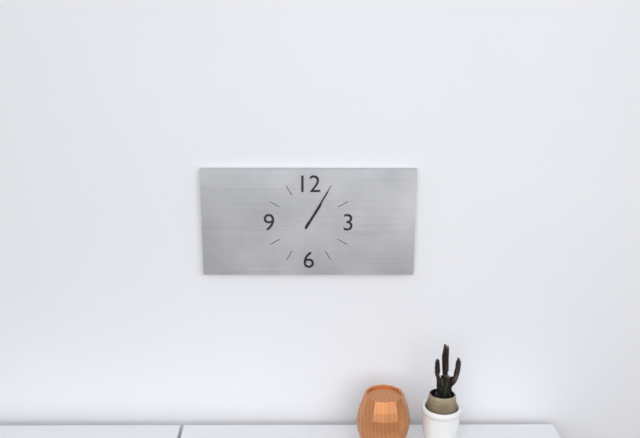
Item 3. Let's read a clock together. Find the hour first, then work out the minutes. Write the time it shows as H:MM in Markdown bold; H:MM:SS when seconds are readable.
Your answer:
**1:05**
